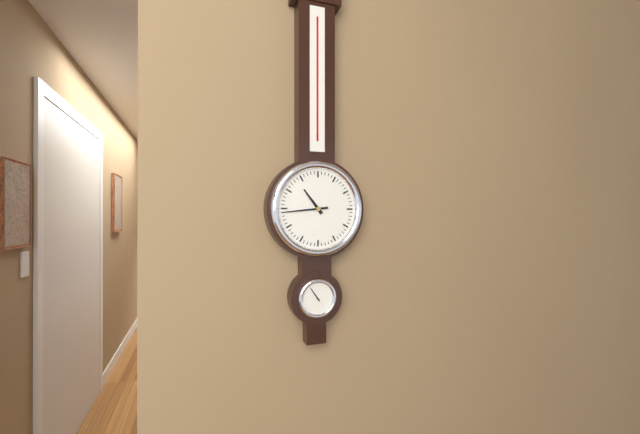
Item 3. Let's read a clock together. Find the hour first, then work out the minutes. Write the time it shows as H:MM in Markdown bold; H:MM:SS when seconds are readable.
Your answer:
**10:44**
